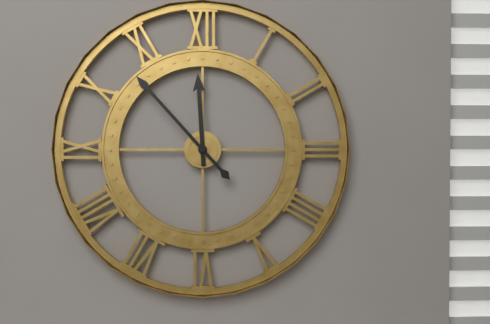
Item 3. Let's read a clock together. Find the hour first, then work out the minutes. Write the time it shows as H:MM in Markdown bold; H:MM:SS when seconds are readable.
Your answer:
**11:53**
